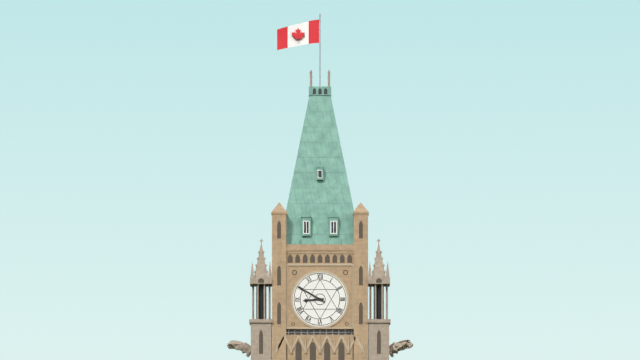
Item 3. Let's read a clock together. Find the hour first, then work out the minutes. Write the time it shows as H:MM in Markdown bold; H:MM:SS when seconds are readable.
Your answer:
**8:50**
